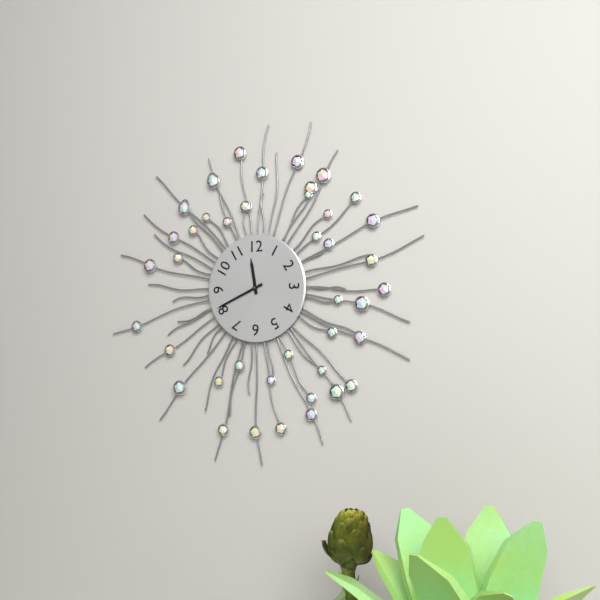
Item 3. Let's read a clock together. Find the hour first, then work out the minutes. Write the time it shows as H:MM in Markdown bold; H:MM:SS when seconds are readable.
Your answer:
**11:41**
